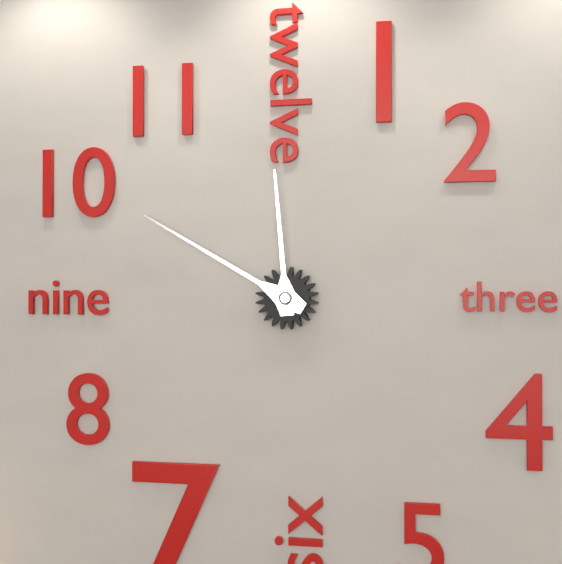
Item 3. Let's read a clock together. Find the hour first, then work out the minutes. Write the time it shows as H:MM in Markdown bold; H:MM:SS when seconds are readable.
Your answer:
**11:50**
